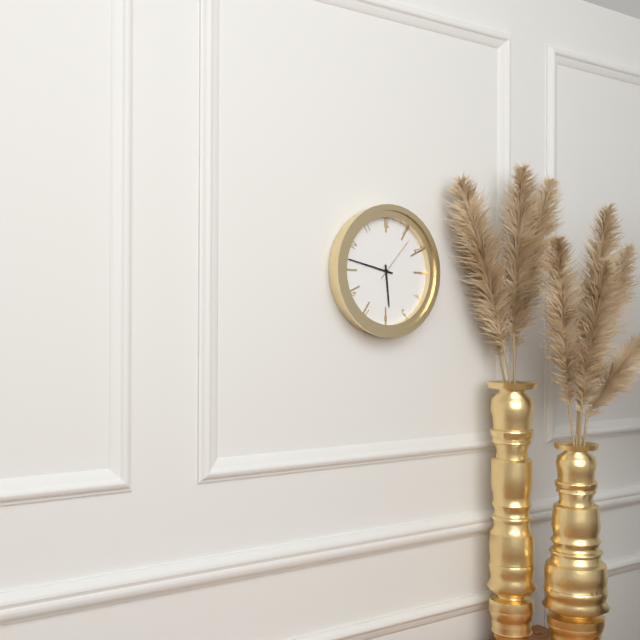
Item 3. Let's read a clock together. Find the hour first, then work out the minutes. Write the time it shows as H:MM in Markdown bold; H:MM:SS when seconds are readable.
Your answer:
**5:47**
